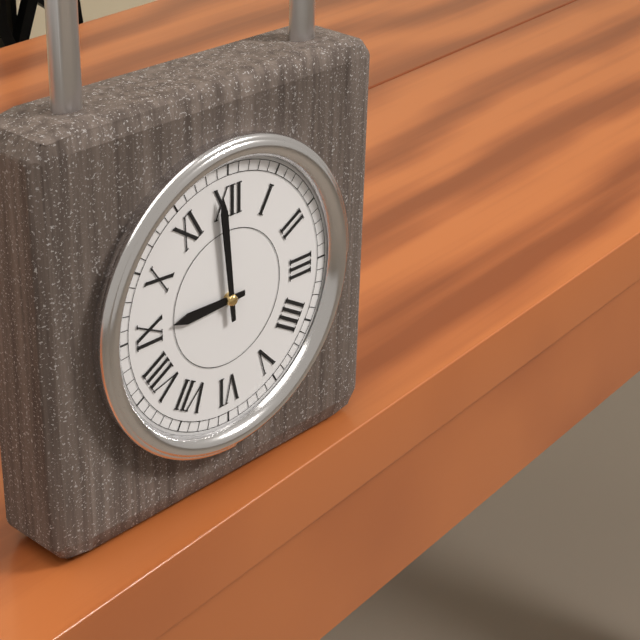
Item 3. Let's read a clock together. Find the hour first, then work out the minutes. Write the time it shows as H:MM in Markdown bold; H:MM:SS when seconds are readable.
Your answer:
**8:59**
